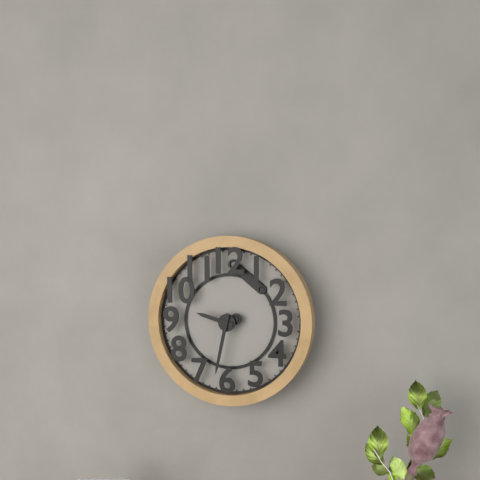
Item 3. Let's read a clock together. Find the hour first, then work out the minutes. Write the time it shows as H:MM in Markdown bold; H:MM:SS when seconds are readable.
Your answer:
**9:32**
